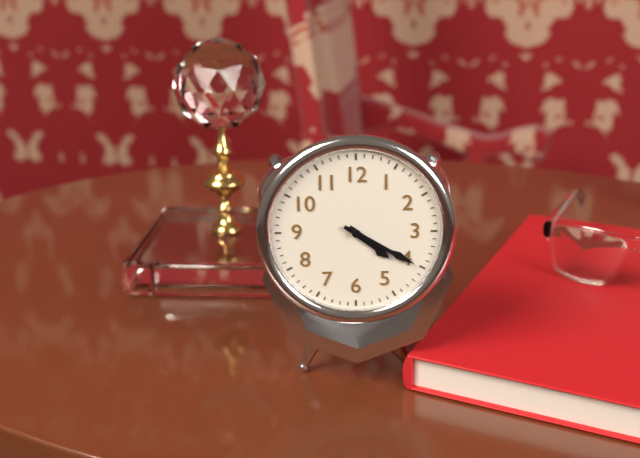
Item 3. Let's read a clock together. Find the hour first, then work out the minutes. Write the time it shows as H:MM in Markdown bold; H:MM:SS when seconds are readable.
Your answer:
**4:20**
